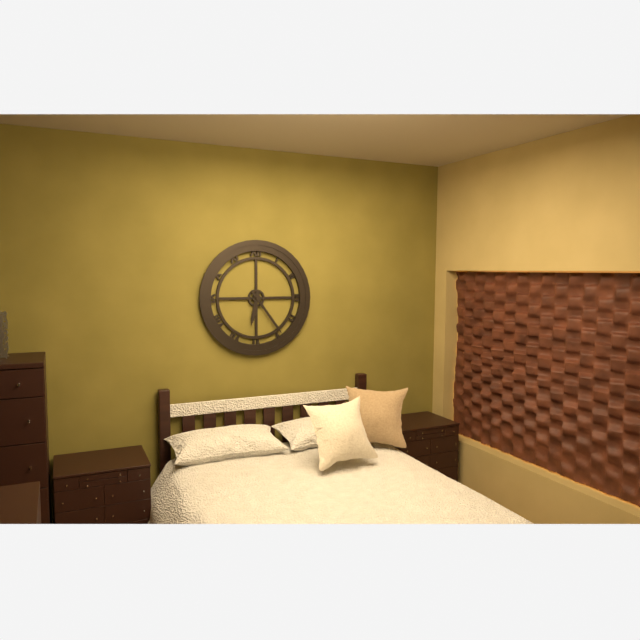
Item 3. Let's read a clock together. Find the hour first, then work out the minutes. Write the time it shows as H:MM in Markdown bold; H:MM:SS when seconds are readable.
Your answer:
**6:24**
